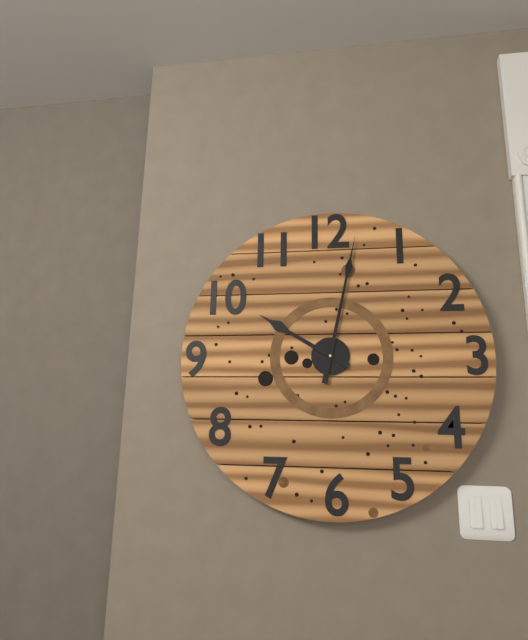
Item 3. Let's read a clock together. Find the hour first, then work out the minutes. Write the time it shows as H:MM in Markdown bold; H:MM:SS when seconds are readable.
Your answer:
**10:02**
